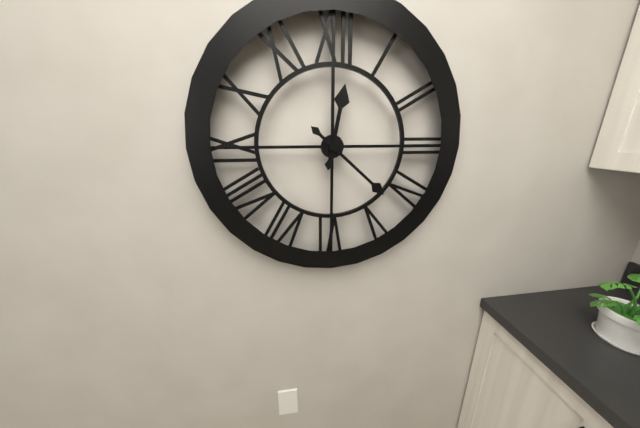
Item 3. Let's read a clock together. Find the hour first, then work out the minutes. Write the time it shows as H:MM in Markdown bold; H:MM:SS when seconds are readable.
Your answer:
**12:22**
